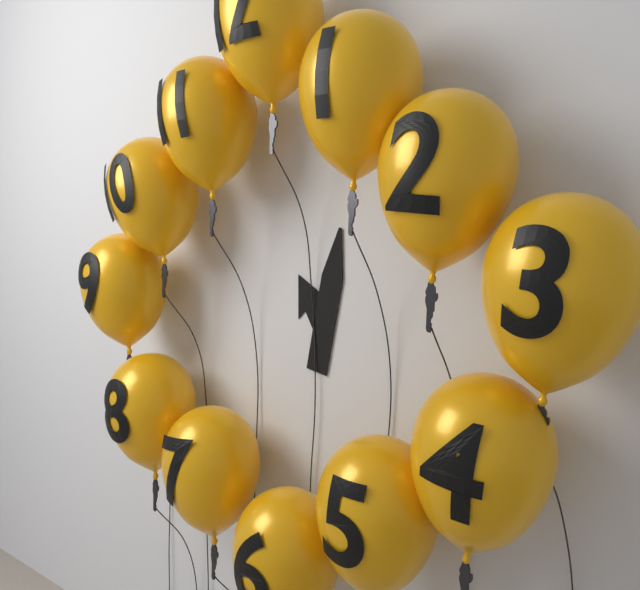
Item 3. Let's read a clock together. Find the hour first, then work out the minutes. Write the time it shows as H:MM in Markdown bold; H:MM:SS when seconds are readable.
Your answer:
**11:02**
